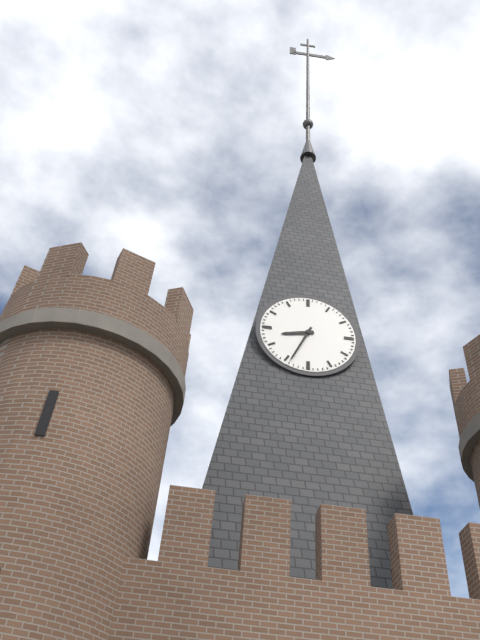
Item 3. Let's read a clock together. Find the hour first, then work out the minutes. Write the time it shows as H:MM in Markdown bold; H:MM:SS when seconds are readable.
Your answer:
**8:34**
